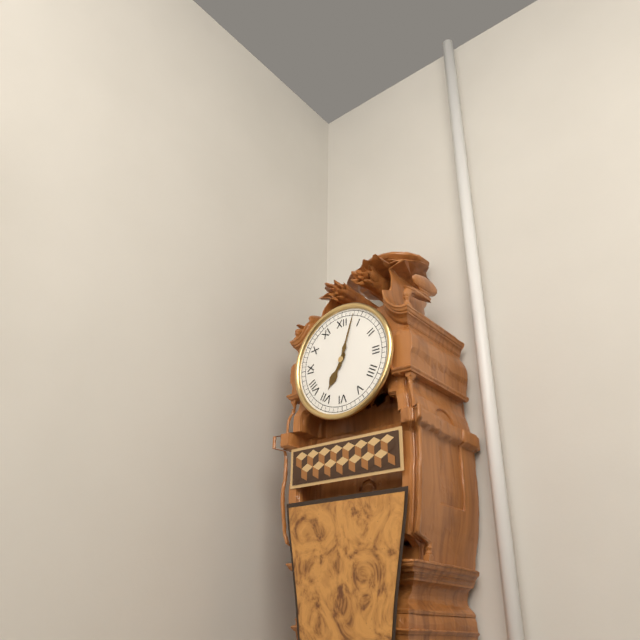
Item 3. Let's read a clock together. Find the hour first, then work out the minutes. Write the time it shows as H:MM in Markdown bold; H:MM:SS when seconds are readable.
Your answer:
**7:03**
